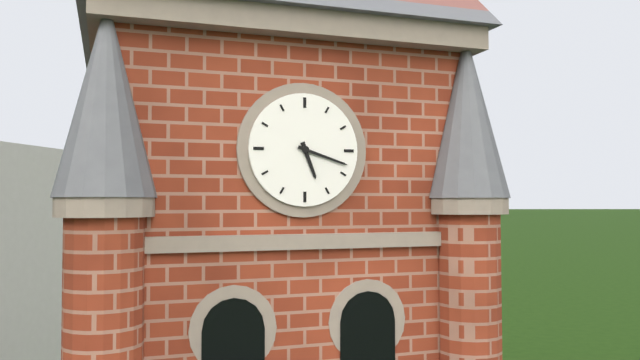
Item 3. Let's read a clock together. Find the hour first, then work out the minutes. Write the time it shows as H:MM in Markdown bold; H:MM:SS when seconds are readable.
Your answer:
**5:18**
